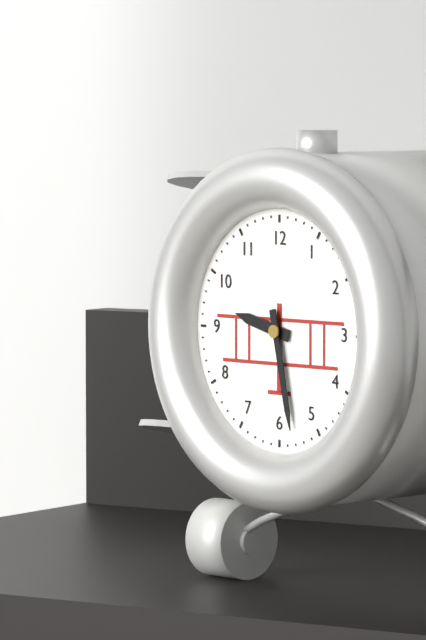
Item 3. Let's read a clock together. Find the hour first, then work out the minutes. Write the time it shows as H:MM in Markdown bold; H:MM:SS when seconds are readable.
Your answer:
**9:28**
